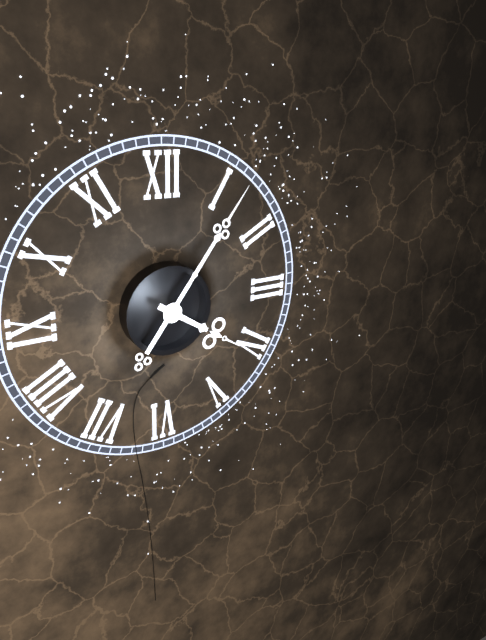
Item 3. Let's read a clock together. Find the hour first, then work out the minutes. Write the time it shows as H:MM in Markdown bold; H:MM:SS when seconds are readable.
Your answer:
**4:06**
